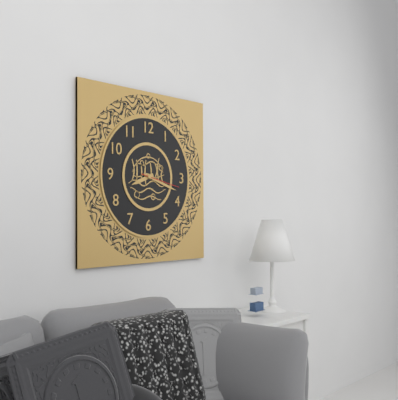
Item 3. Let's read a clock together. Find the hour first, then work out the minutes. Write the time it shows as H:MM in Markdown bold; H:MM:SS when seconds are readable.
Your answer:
**8:18**
